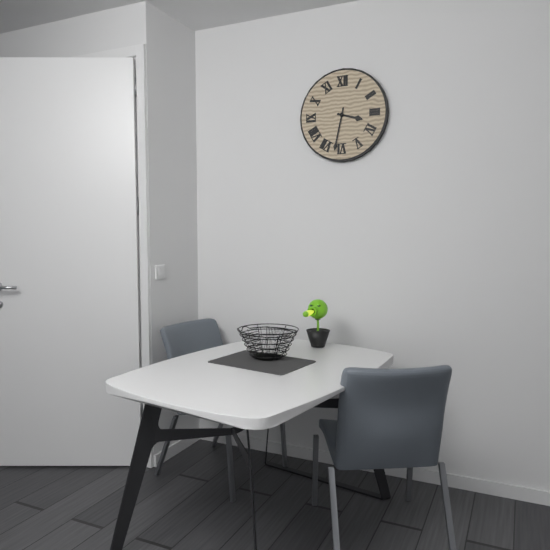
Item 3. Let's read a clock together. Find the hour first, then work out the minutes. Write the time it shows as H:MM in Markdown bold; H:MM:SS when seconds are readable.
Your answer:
**3:32**
